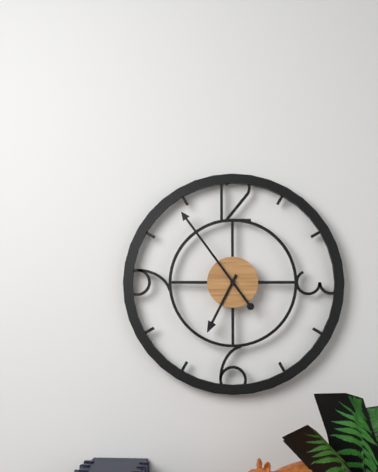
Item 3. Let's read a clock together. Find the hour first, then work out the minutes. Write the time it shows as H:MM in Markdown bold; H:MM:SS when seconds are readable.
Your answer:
**6:54**
